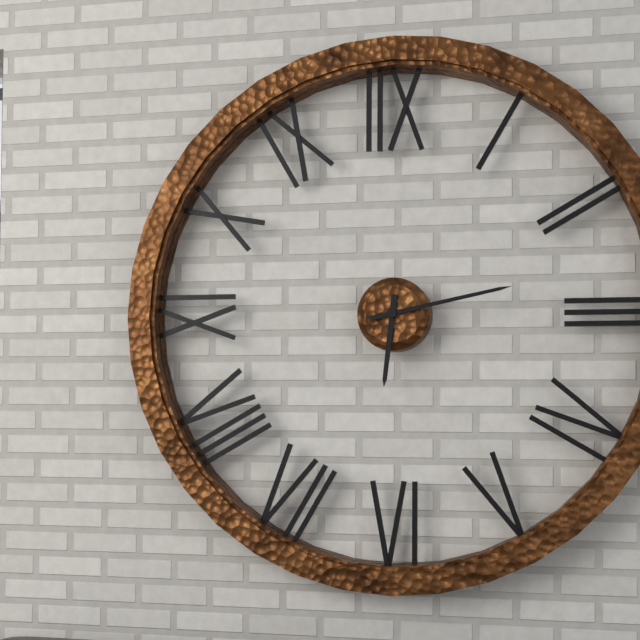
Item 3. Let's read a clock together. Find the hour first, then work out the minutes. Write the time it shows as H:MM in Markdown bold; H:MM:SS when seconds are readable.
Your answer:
**6:13**
